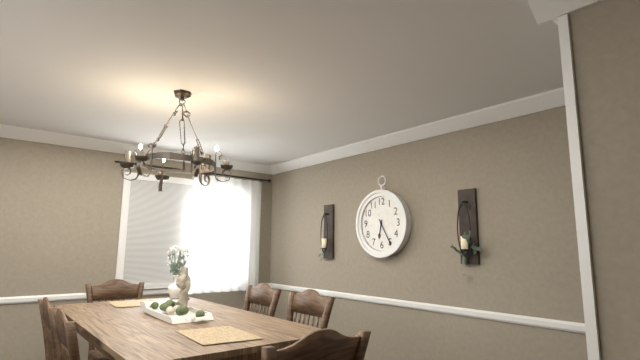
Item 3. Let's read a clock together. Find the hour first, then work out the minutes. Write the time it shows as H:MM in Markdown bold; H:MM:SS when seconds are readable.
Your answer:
**6:25**
